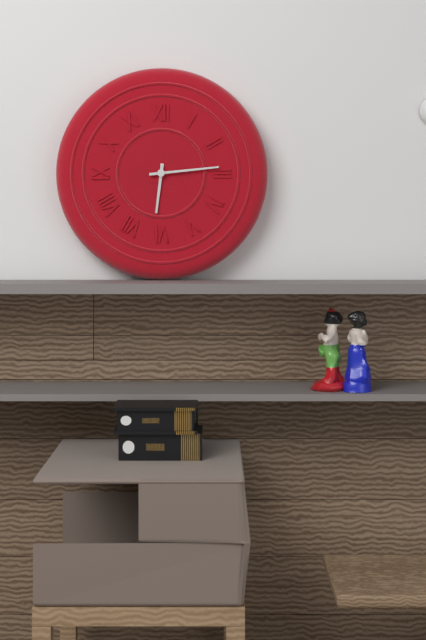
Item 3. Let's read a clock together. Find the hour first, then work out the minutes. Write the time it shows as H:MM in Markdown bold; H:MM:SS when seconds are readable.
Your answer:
**6:14**
